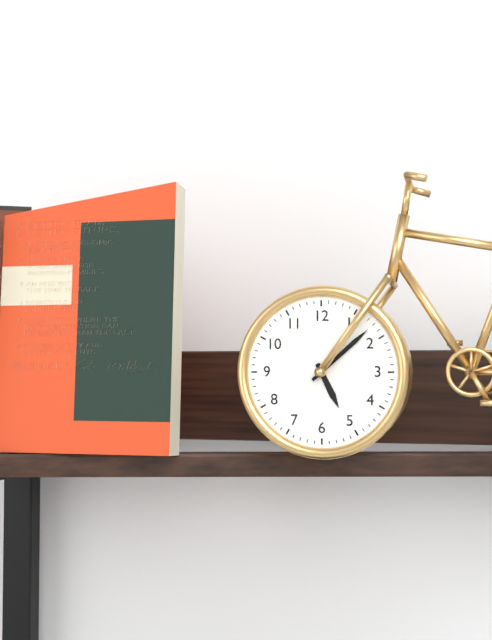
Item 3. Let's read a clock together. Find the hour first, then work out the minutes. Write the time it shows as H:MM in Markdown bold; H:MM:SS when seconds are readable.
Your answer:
**5:08**
